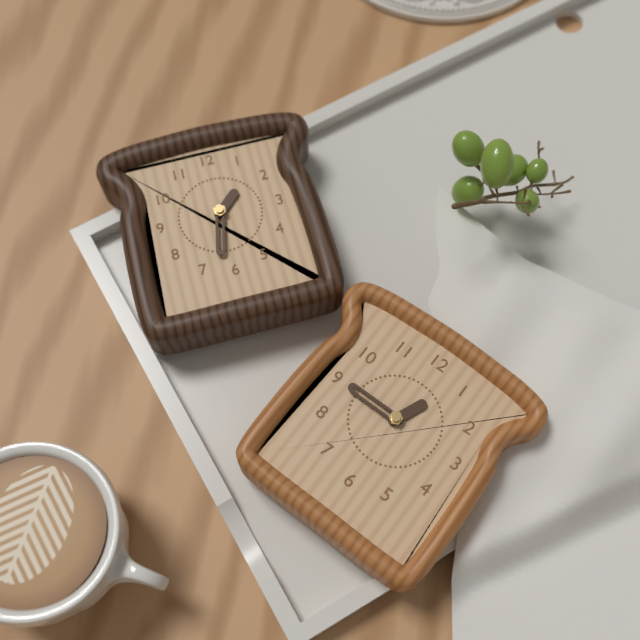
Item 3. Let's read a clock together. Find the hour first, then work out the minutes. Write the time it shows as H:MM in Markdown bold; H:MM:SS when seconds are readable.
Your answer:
**12:45**
